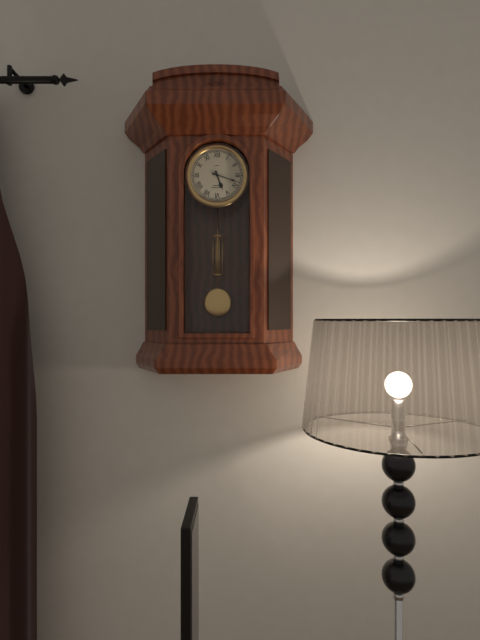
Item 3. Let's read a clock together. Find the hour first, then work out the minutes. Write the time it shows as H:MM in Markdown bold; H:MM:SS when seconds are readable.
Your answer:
**5:18**
